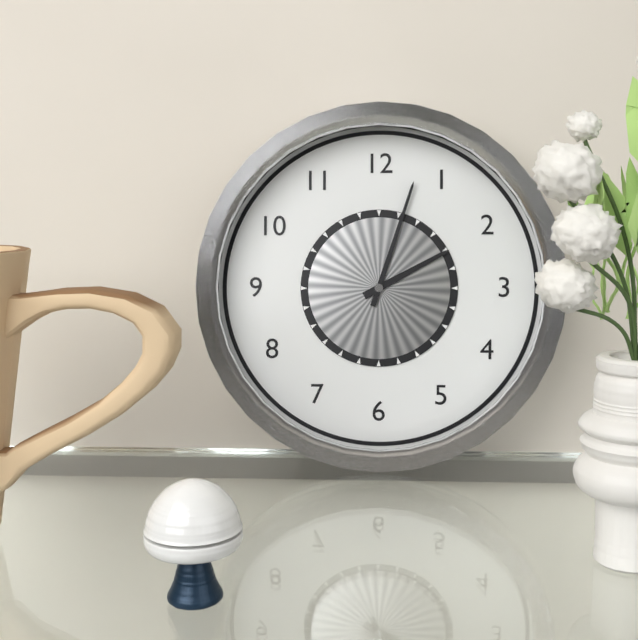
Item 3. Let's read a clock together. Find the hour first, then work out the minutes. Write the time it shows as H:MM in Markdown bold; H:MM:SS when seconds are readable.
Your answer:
**2:03**
